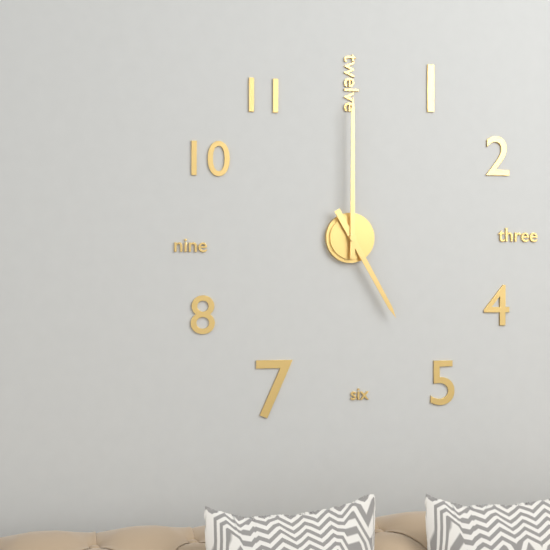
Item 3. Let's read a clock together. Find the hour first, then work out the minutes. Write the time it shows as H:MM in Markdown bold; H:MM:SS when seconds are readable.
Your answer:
**5:00**
